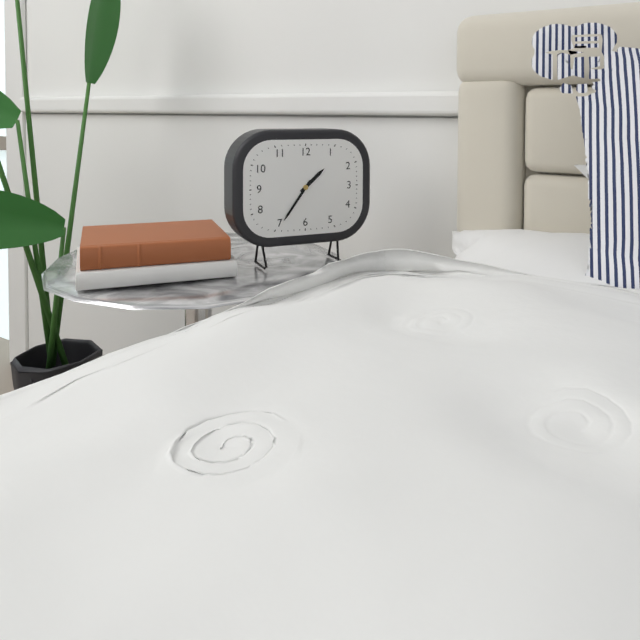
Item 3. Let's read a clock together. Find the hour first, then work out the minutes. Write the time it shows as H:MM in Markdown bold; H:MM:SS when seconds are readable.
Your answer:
**1:36**
